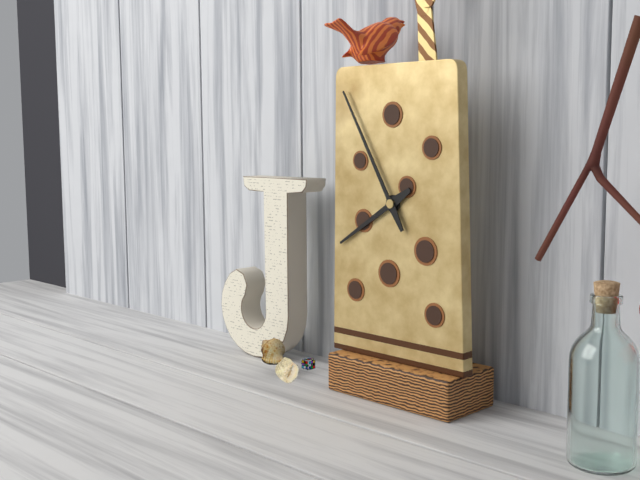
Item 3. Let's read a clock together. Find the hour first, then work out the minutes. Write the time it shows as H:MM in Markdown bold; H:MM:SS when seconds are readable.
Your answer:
**7:55**
